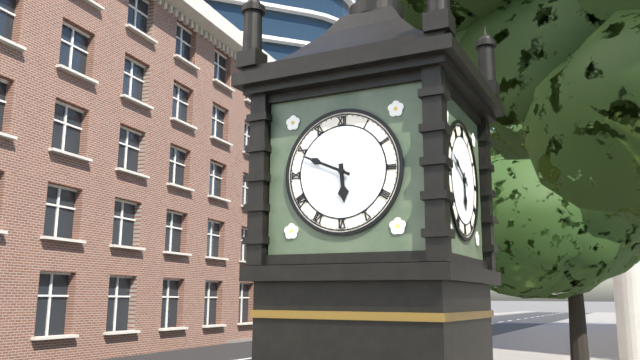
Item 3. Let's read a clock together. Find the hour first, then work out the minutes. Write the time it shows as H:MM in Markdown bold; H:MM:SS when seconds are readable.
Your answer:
**5:49**
